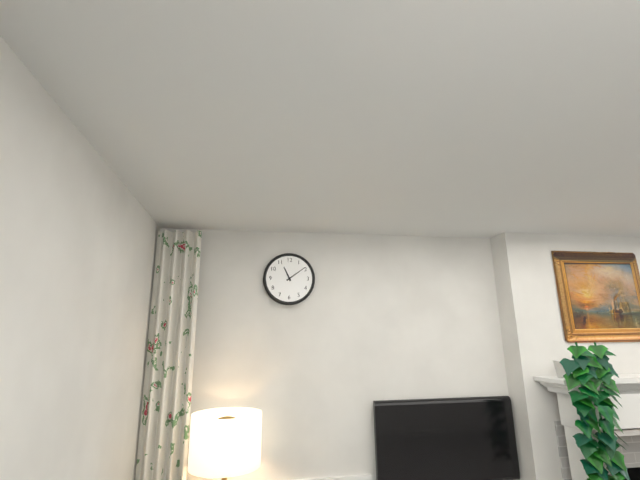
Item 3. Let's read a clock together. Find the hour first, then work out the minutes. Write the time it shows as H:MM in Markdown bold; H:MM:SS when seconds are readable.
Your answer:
**11:09**
